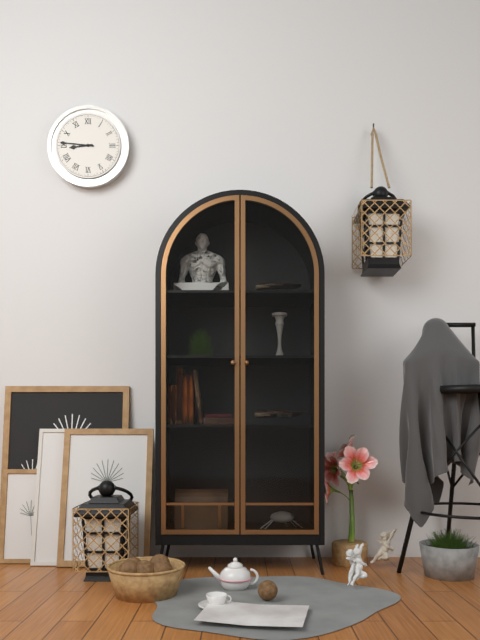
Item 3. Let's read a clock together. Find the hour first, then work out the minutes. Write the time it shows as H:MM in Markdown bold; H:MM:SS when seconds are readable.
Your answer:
**8:46**
